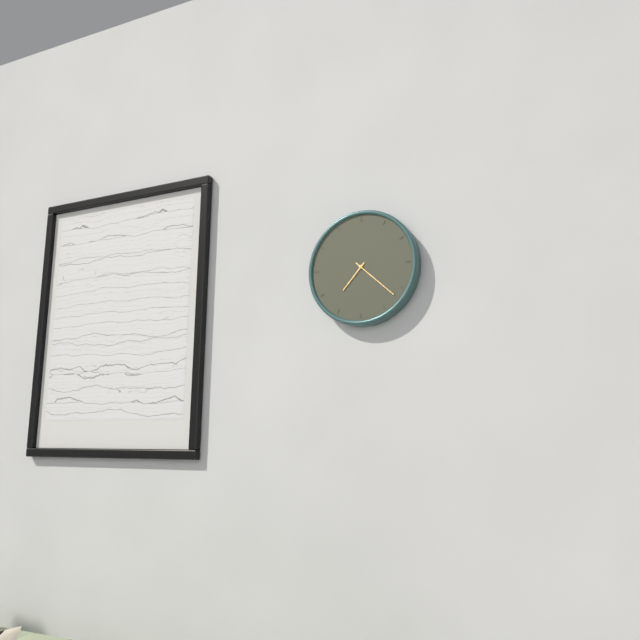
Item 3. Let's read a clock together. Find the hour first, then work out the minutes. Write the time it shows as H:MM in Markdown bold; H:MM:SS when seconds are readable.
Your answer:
**7:22**
